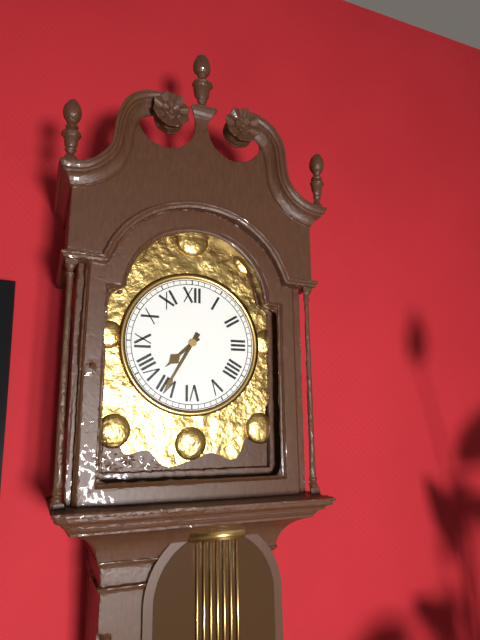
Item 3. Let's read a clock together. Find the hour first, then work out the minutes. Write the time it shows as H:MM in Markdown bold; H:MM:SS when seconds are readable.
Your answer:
**7:35**
